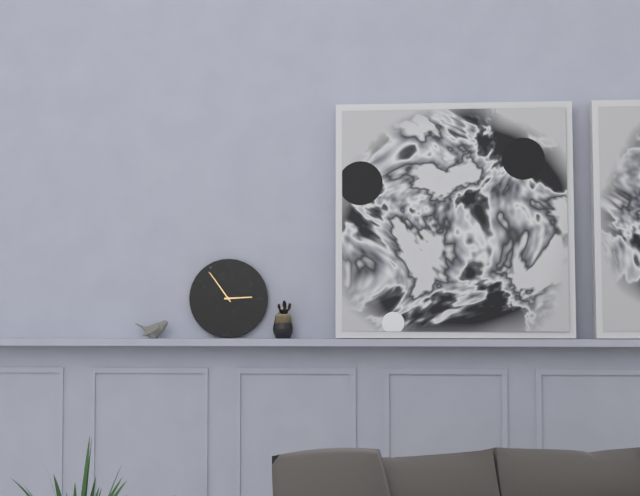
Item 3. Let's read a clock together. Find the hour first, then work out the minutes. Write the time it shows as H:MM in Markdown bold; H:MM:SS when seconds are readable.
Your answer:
**2:54**
